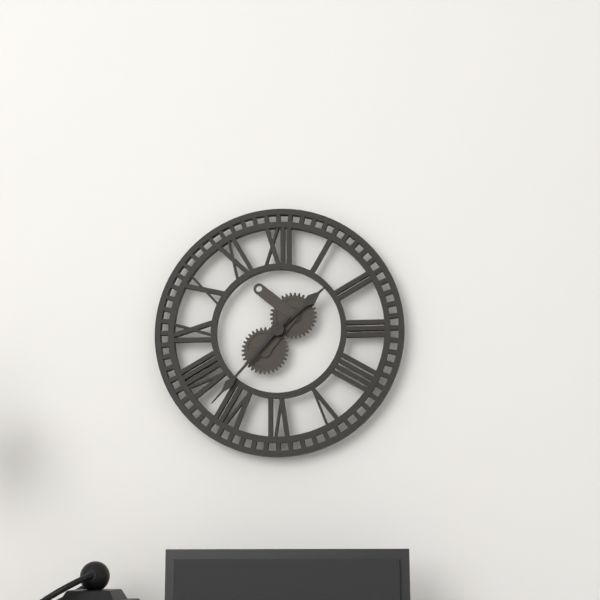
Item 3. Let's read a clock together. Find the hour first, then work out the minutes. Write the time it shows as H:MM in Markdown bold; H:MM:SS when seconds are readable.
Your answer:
**1:37**
